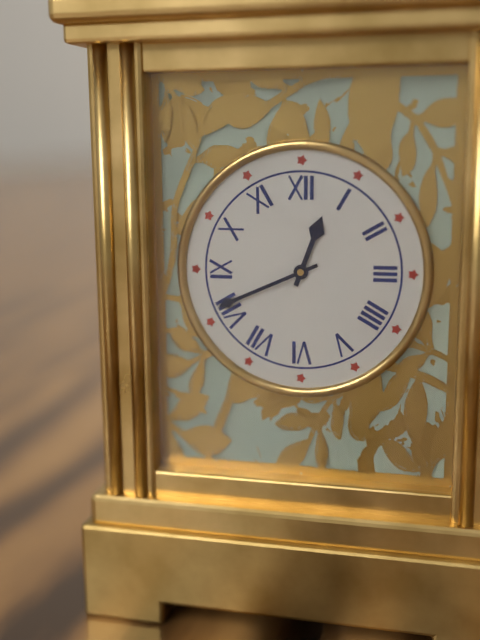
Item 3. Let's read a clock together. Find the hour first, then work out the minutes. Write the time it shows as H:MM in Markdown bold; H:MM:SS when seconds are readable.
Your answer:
**12:41**
